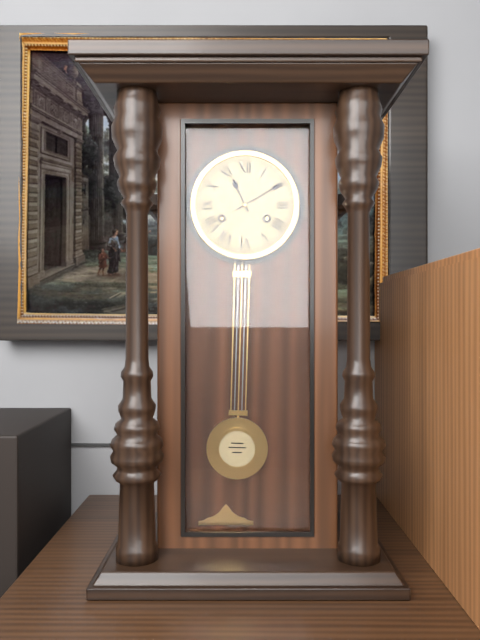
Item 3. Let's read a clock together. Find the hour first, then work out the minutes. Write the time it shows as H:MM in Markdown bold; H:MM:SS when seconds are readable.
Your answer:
**11:10**
